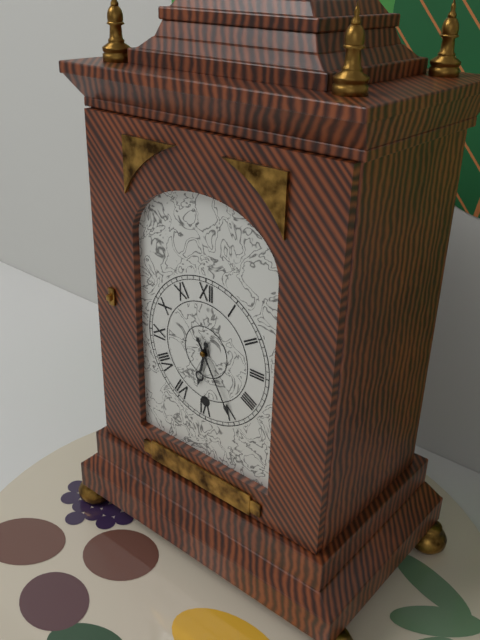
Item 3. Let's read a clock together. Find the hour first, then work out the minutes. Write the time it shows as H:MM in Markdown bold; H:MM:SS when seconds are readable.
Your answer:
**6:25**
